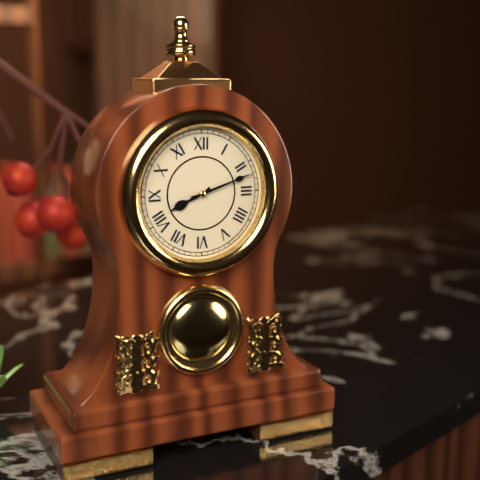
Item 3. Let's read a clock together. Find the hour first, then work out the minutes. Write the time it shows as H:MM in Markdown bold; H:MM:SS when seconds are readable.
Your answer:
**8:12**
